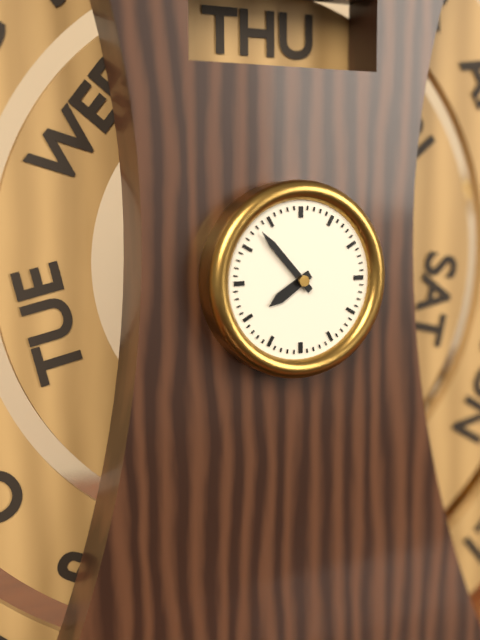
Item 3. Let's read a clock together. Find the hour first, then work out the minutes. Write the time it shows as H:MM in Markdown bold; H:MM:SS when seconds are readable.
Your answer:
**7:53**
